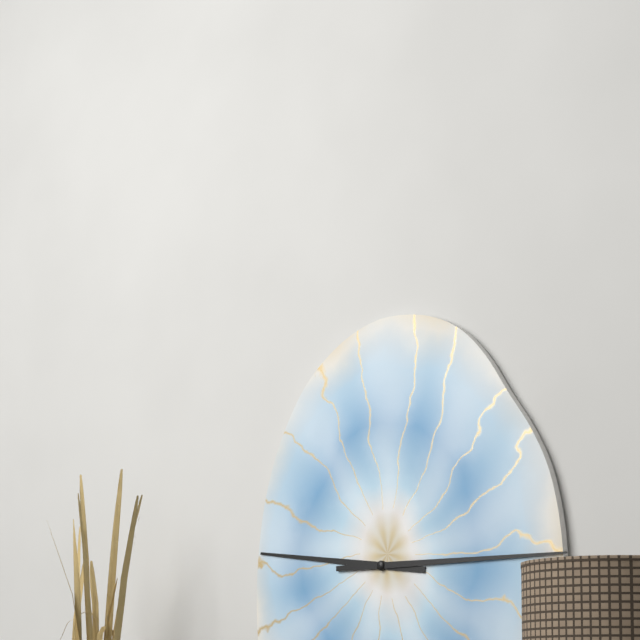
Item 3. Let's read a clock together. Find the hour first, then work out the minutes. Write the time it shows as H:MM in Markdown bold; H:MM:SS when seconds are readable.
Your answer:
**9:15**
